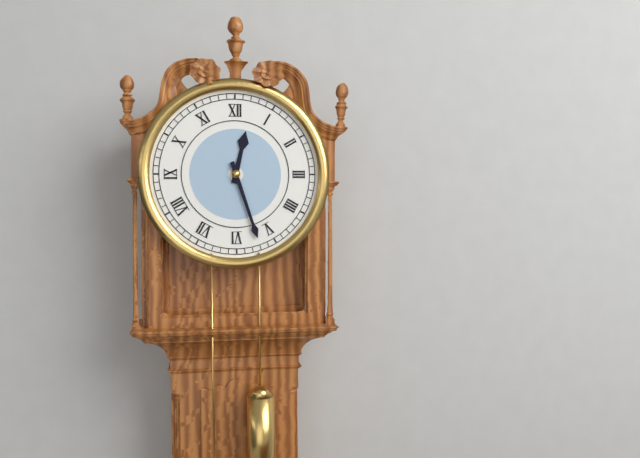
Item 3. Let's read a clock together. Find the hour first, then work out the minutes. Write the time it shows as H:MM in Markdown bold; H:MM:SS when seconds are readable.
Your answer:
**12:27**
